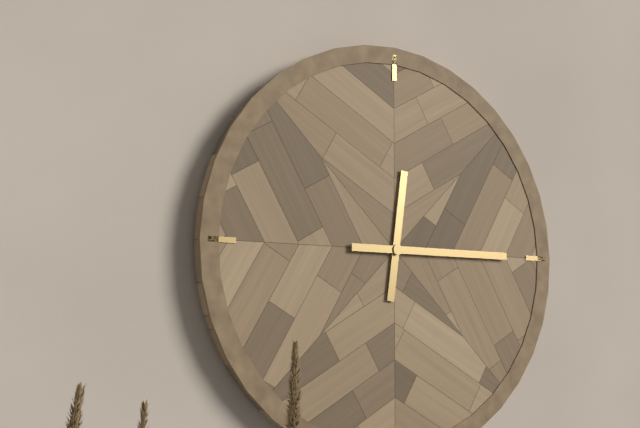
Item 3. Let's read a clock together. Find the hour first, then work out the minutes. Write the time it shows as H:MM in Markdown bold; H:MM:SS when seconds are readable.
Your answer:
**12:15**
